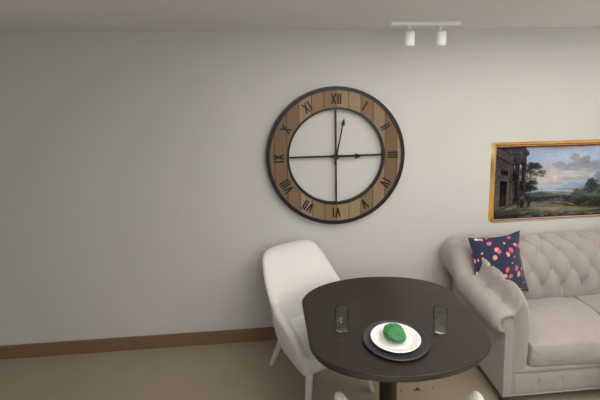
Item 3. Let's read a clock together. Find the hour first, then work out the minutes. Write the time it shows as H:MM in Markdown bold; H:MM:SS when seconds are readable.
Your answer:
**3:02**
